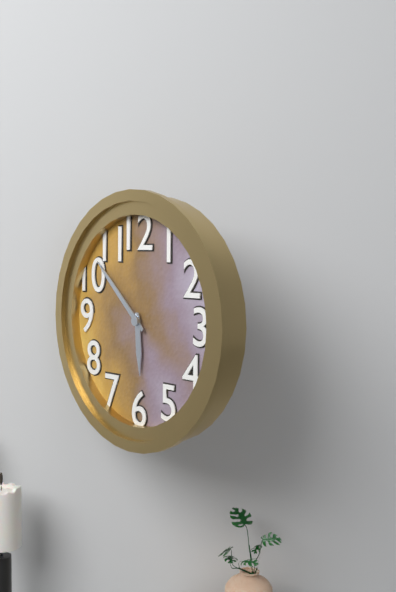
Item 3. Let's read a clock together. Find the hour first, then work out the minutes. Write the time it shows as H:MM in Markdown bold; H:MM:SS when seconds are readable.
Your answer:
**5:52**
